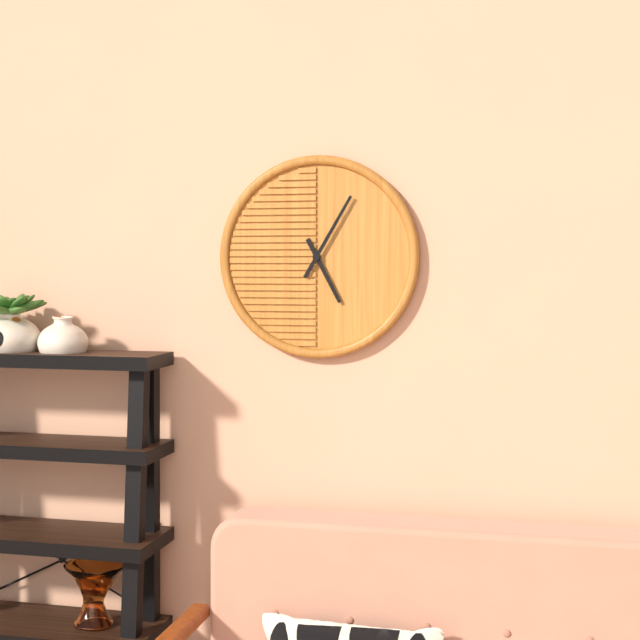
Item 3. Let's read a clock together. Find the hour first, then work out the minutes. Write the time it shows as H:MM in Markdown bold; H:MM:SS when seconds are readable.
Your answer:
**5:05**
